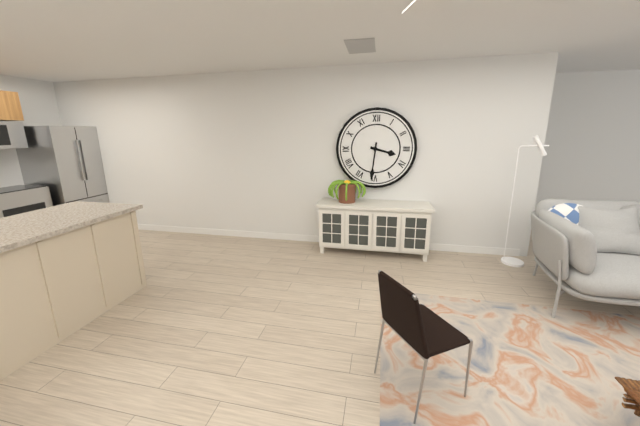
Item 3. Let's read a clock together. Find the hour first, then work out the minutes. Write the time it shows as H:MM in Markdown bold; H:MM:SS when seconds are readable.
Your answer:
**3:31**
